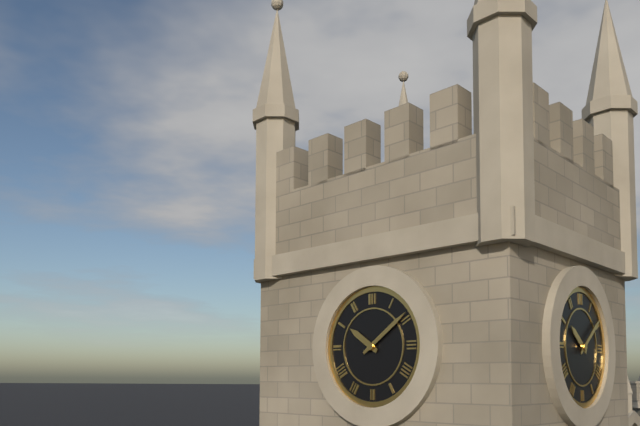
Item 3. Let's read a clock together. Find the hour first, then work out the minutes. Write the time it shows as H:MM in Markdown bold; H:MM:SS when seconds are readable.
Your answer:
**10:09**
